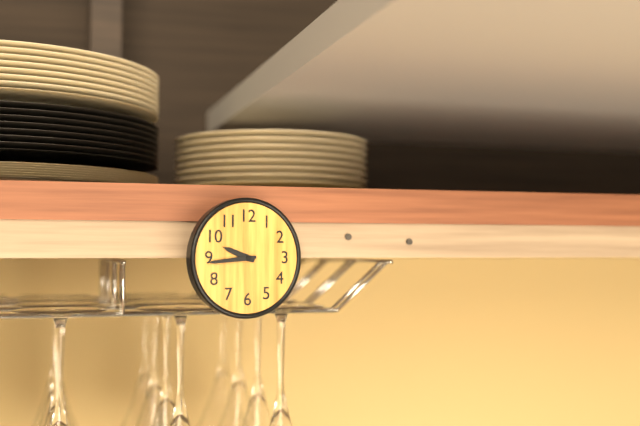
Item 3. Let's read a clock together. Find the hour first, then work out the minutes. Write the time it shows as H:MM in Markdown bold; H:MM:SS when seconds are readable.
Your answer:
**9:44**
